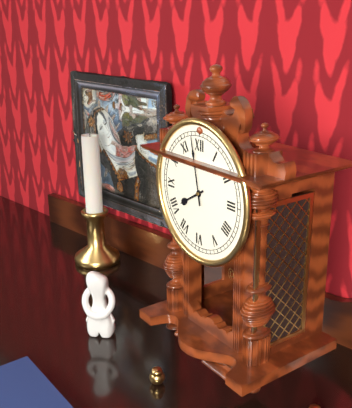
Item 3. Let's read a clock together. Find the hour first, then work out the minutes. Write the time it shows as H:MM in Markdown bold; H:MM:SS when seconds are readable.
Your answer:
**7:58**
